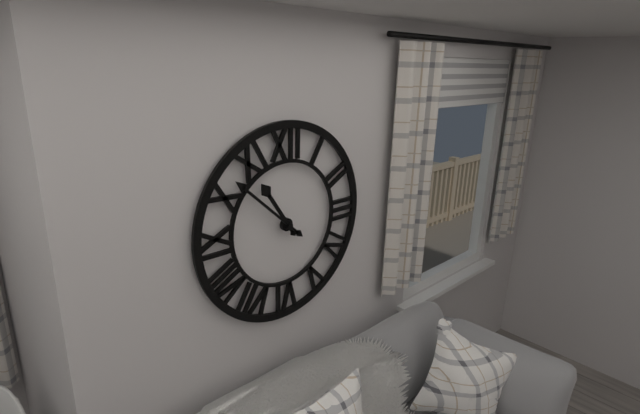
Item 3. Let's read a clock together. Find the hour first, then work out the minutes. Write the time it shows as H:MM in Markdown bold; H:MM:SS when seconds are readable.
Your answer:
**10:52**
